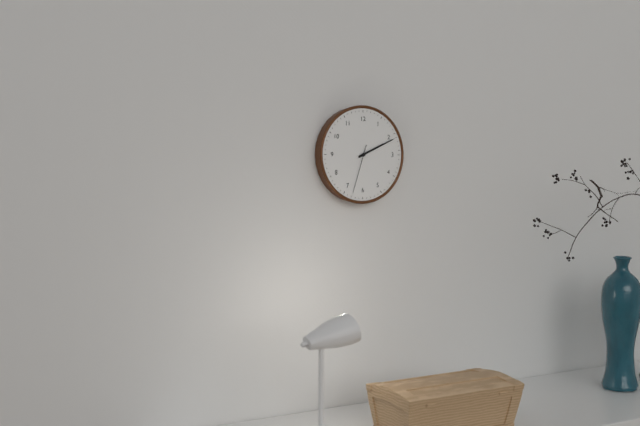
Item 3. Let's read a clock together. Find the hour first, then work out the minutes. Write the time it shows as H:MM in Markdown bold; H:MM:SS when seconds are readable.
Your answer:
**2:11**
